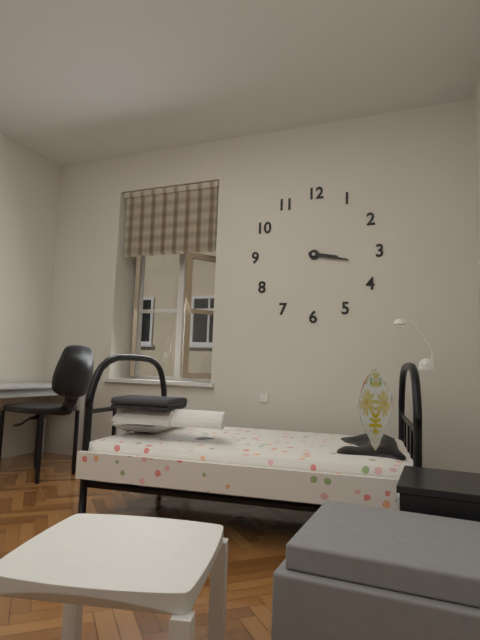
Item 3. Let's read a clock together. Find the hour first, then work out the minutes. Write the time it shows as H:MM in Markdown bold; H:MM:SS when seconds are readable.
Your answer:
**3:17**
